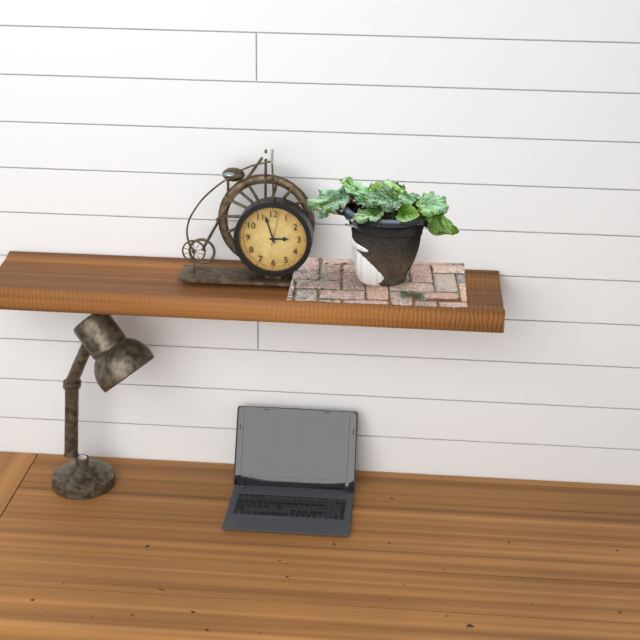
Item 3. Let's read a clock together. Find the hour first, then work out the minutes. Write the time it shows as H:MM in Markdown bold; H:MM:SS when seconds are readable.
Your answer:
**2:57**
